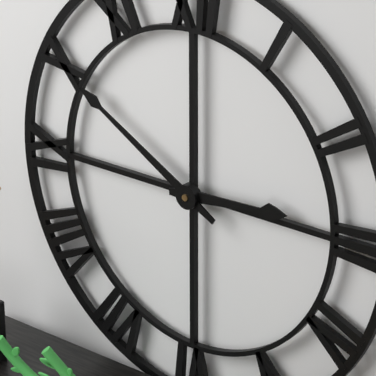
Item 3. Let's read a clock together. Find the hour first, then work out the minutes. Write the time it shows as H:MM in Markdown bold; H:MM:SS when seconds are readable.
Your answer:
**2:50**
